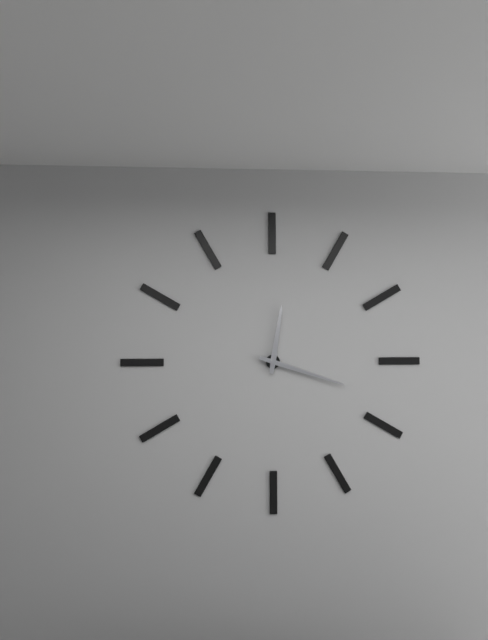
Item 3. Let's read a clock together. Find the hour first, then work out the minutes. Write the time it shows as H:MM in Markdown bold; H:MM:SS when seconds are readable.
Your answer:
**12:18**
